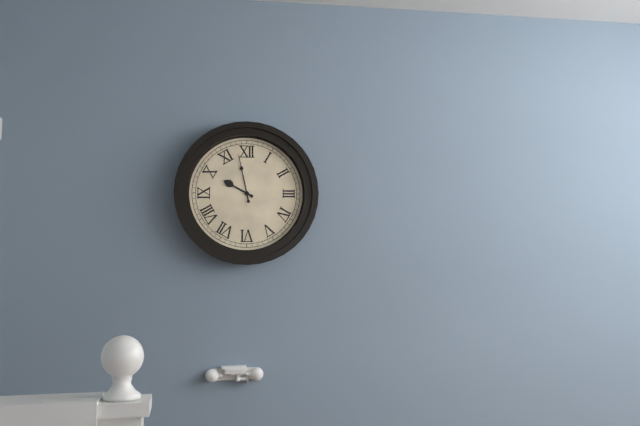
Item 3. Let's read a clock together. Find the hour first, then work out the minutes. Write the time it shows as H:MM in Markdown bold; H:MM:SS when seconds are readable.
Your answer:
**9:58**
